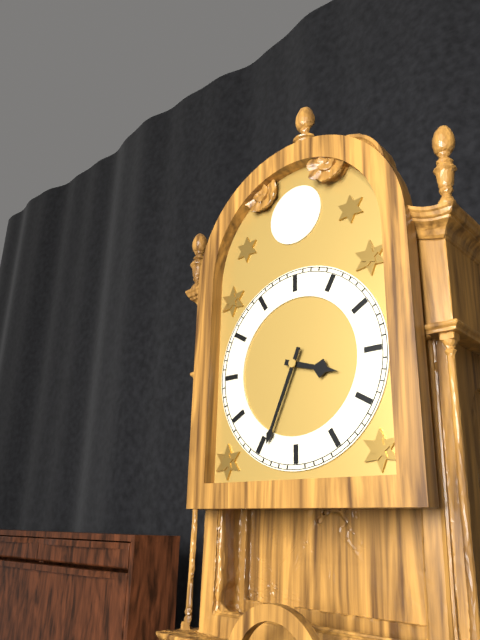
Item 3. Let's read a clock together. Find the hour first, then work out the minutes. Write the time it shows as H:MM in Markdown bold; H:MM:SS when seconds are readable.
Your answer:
**3:34**
